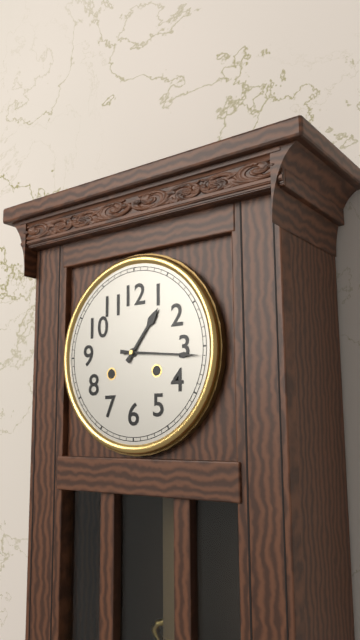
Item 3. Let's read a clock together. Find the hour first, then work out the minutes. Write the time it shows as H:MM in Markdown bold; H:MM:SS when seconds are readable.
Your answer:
**1:16**
